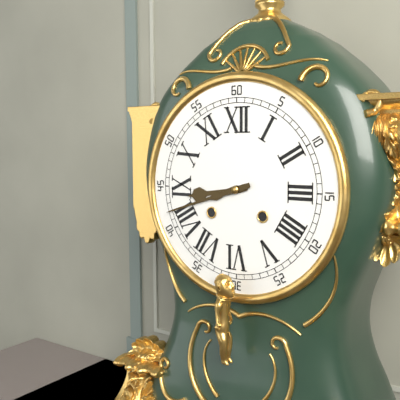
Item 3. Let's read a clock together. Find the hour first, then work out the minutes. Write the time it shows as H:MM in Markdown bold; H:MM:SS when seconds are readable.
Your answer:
**8:42**
